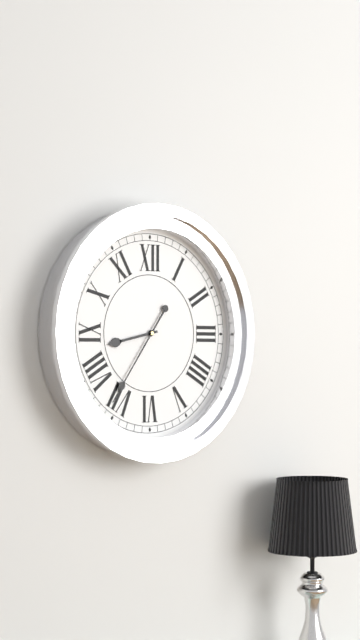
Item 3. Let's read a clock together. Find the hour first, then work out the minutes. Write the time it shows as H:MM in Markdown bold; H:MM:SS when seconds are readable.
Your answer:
**8:36**
